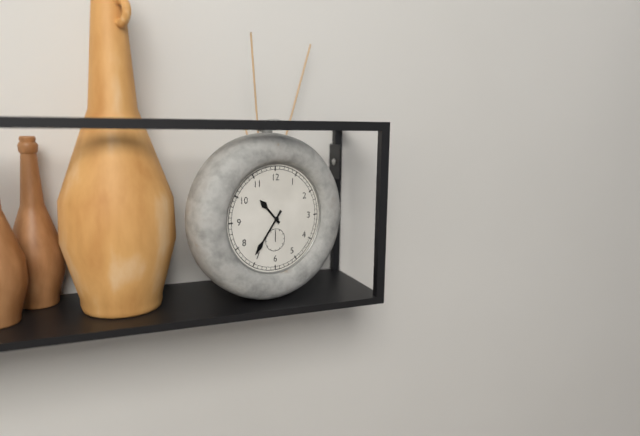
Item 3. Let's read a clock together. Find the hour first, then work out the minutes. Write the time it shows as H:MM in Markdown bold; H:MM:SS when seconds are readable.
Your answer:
**10:36**
